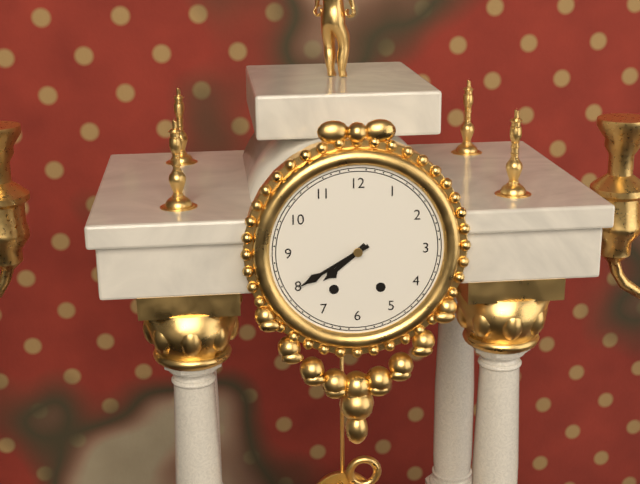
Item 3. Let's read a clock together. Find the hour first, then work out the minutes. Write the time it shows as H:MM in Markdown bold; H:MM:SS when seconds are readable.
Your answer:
**7:40**
